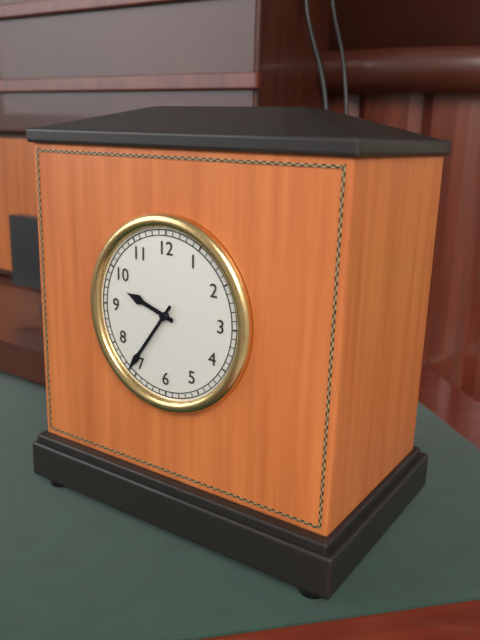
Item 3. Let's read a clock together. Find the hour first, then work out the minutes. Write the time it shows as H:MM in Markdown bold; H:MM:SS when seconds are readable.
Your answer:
**9:36**
